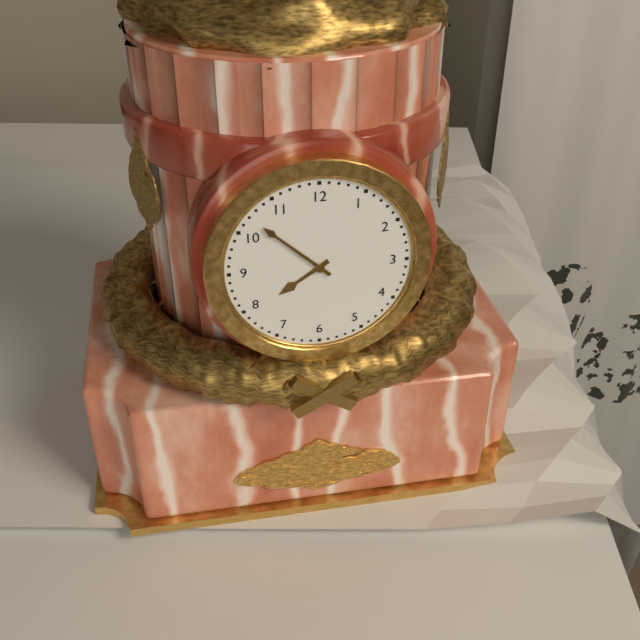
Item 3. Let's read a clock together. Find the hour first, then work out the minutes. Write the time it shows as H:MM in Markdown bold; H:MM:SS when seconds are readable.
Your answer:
**7:52**
